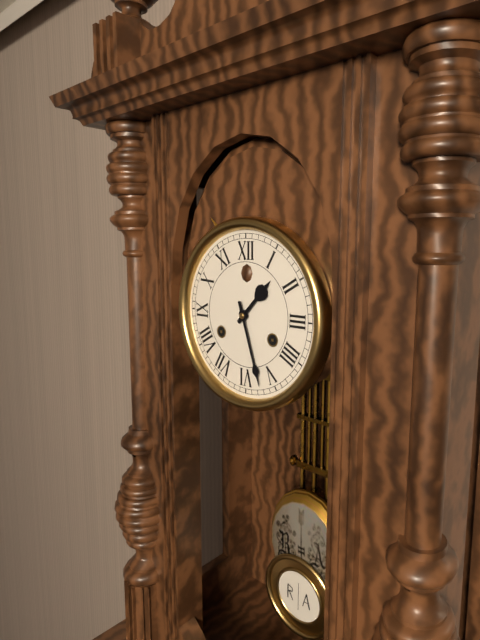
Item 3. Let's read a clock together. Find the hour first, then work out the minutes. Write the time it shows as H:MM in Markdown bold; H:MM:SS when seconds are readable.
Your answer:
**1:27**
